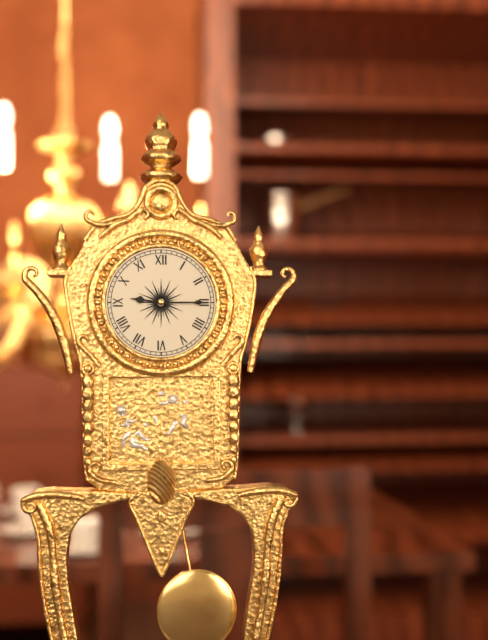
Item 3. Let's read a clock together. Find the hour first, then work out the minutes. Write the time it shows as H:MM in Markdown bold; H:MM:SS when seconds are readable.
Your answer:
**9:15**
